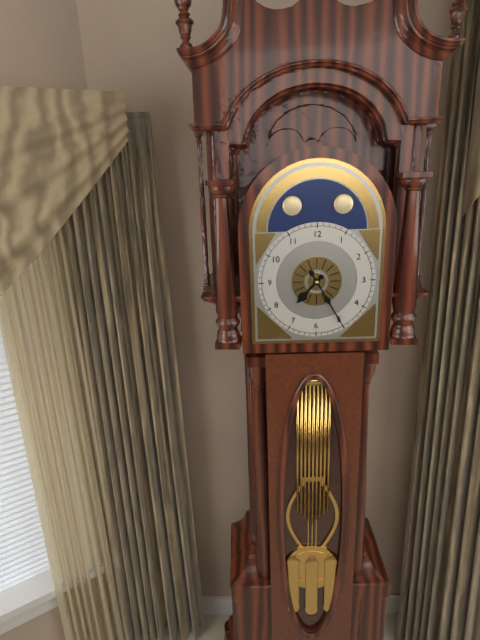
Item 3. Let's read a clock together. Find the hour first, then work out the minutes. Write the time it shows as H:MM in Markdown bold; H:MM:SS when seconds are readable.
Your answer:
**7:25**
